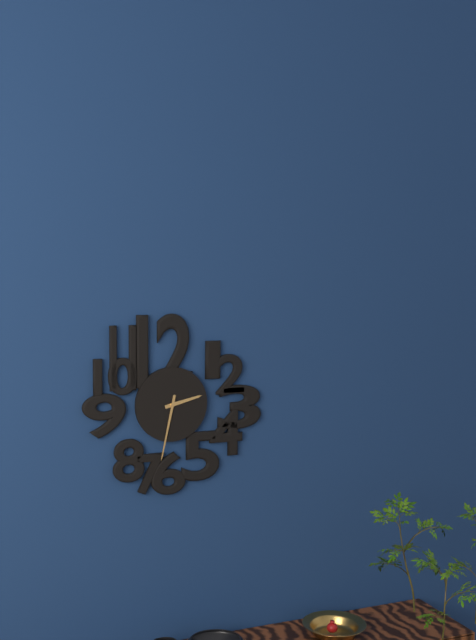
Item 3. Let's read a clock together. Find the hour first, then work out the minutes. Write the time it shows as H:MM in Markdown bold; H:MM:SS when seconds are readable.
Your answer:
**2:32**
